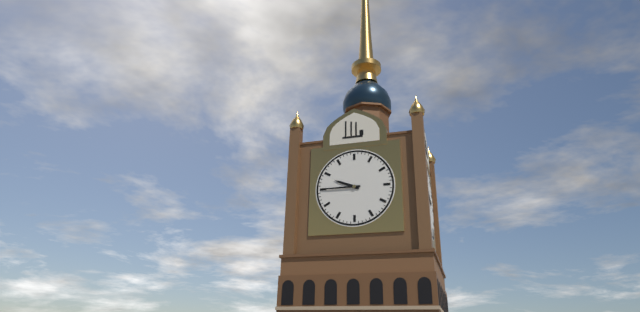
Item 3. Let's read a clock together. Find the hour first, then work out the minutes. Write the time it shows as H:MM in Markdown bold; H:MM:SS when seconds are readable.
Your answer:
**9:45**
